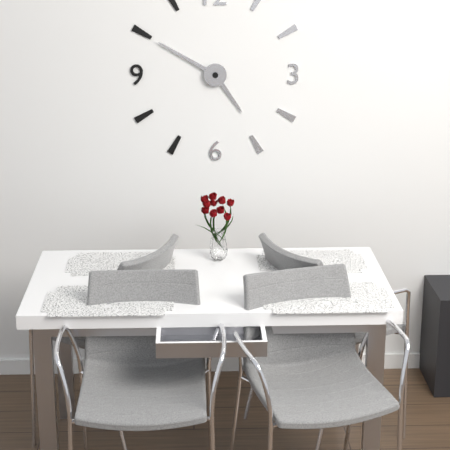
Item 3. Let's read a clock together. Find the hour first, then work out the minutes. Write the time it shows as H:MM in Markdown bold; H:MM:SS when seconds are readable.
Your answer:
**4:50**
